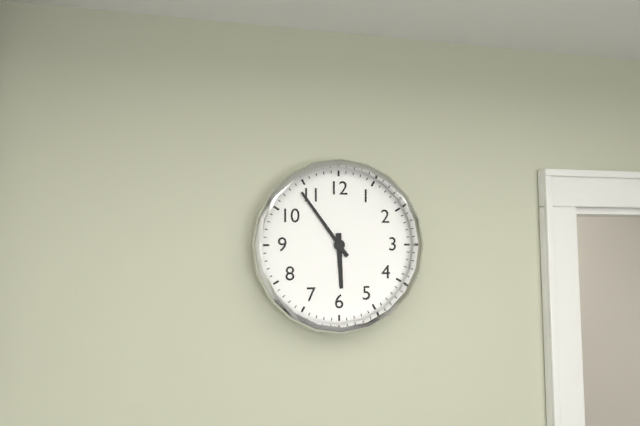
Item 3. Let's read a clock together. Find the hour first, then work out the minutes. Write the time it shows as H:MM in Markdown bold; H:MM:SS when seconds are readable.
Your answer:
**5:54**
